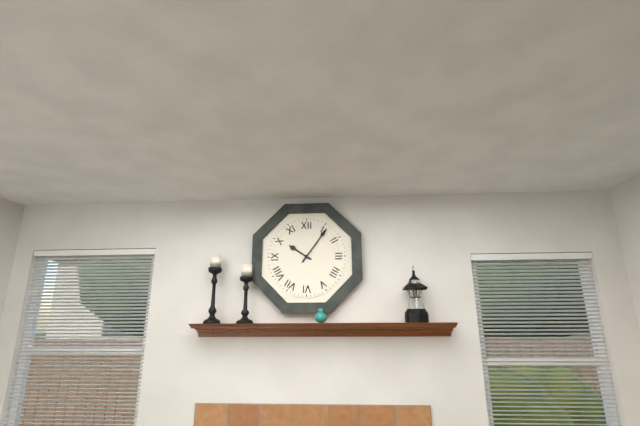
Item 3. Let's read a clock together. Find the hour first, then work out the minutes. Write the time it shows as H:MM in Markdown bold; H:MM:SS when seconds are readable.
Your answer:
**10:06**
